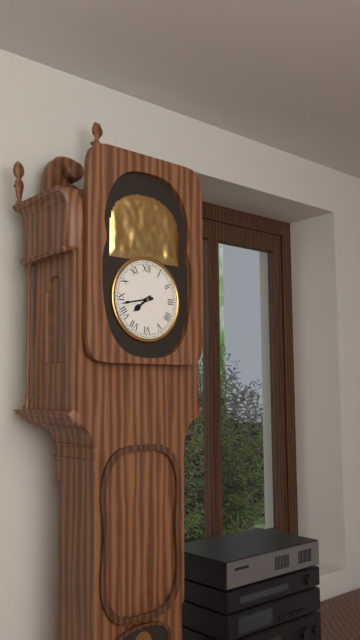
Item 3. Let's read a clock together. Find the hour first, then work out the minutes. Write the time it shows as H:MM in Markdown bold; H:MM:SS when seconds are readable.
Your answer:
**7:43**
